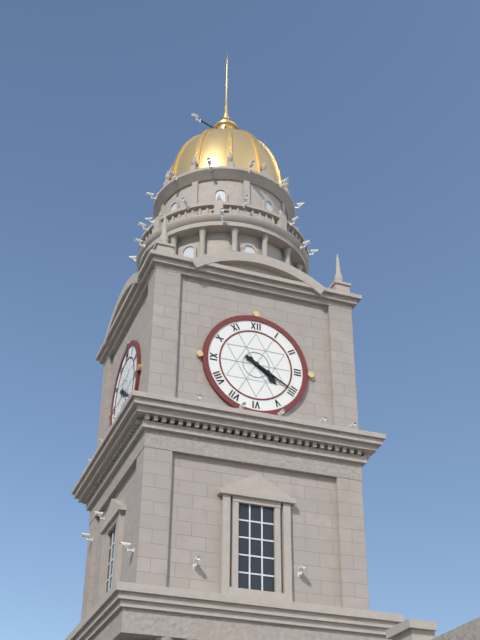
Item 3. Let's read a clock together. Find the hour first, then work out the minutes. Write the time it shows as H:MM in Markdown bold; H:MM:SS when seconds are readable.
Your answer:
**4:20**
